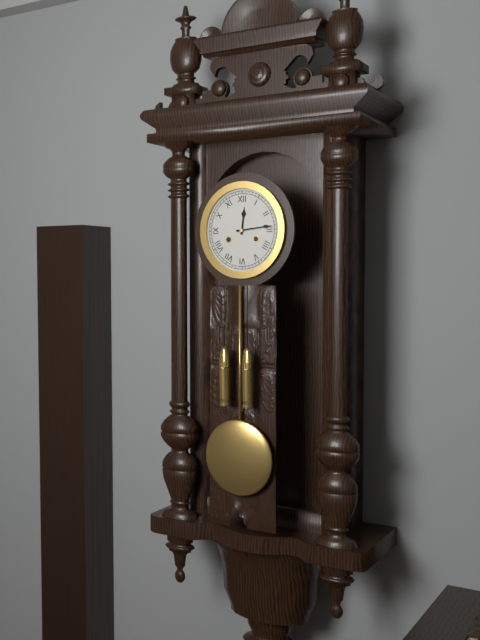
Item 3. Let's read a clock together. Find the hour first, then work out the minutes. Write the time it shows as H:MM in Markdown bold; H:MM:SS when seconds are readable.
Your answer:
**12:14**
